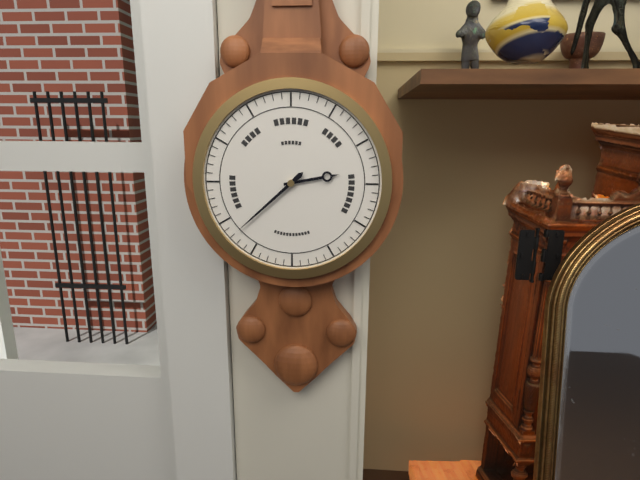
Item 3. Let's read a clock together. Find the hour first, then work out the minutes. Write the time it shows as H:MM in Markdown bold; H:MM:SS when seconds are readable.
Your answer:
**2:38**
